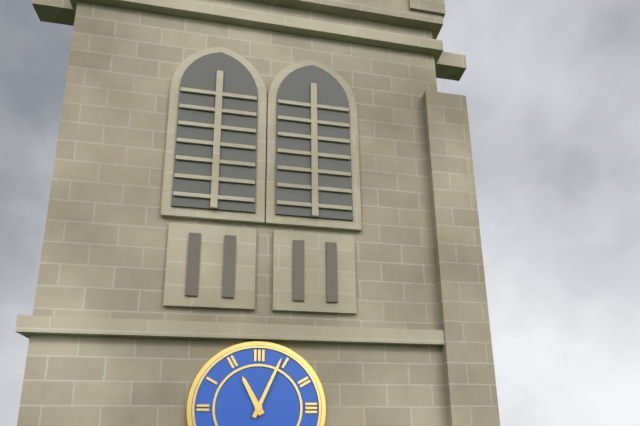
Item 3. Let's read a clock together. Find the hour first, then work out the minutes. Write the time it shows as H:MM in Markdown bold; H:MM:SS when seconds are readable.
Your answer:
**11:04**
